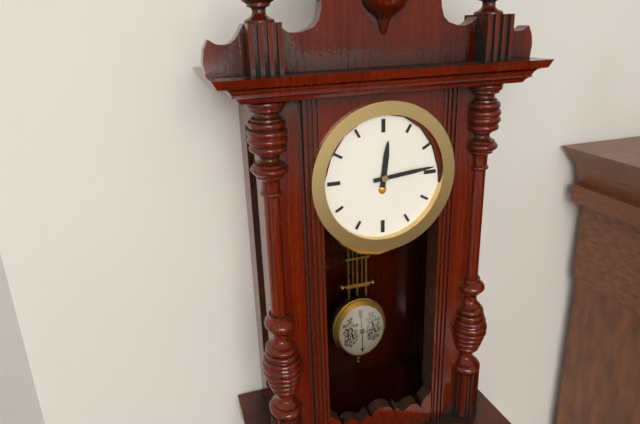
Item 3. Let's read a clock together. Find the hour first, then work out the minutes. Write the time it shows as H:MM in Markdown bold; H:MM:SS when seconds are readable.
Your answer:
**12:14**
